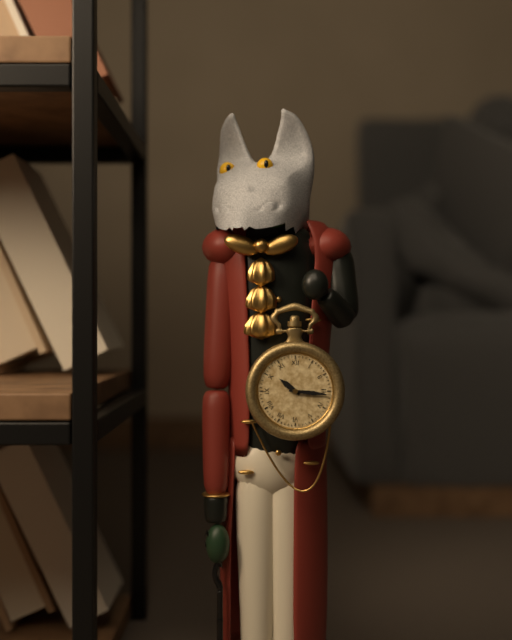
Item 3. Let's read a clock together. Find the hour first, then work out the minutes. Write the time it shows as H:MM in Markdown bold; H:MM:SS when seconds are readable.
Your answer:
**10:16**
